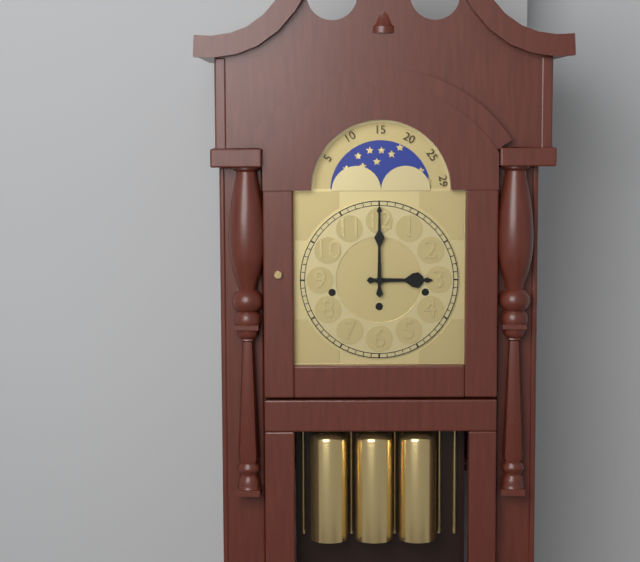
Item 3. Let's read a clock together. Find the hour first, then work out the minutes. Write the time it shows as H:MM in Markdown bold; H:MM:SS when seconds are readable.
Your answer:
**3:00**
